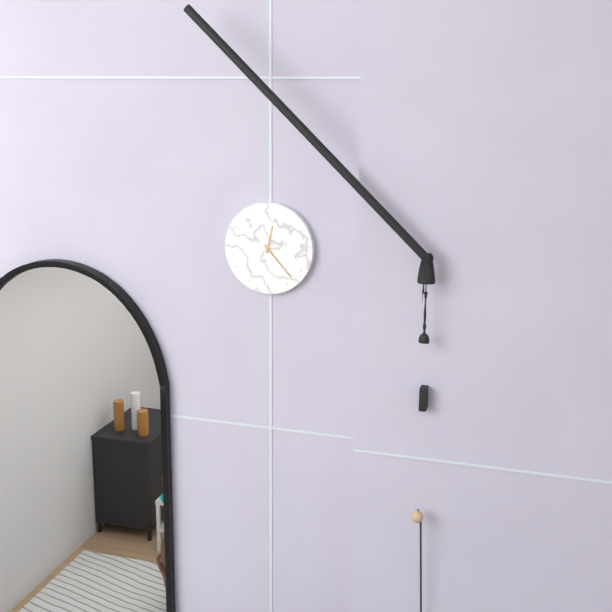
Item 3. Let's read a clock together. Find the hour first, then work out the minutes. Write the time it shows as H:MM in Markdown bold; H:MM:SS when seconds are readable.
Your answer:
**12:23**
